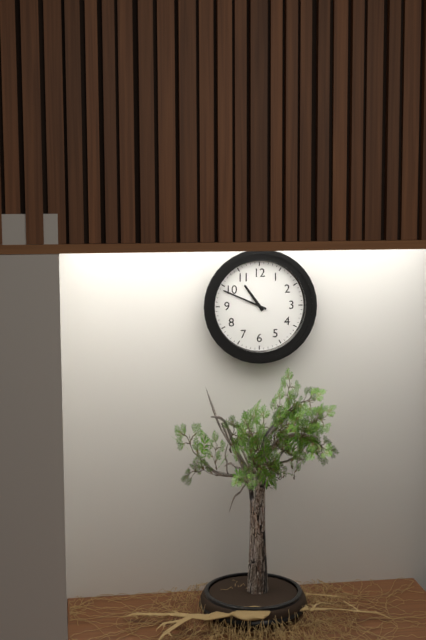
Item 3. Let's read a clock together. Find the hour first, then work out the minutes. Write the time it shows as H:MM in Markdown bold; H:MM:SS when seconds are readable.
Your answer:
**10:49**
